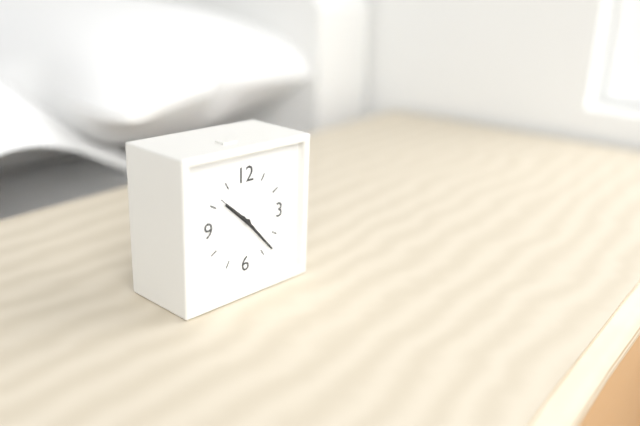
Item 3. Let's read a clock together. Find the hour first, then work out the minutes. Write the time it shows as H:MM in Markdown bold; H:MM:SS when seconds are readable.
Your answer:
**10:23**
